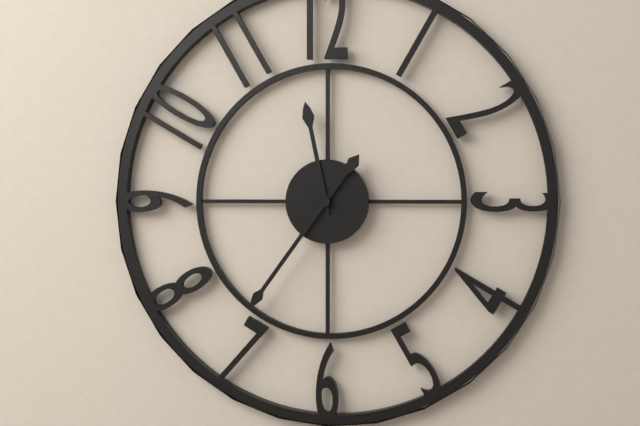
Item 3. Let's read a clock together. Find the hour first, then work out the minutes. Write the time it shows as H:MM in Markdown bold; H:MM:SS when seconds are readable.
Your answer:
**11:36**
